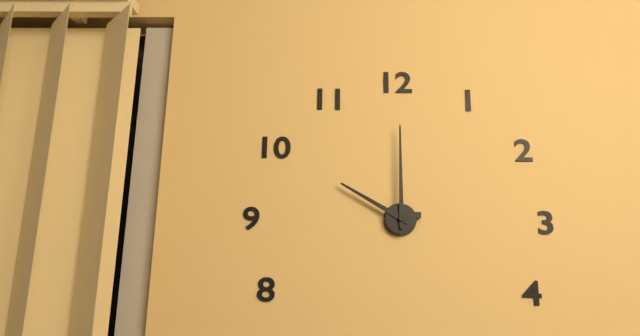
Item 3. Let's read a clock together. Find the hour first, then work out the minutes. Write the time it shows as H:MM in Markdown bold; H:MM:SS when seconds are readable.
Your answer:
**10:00**
